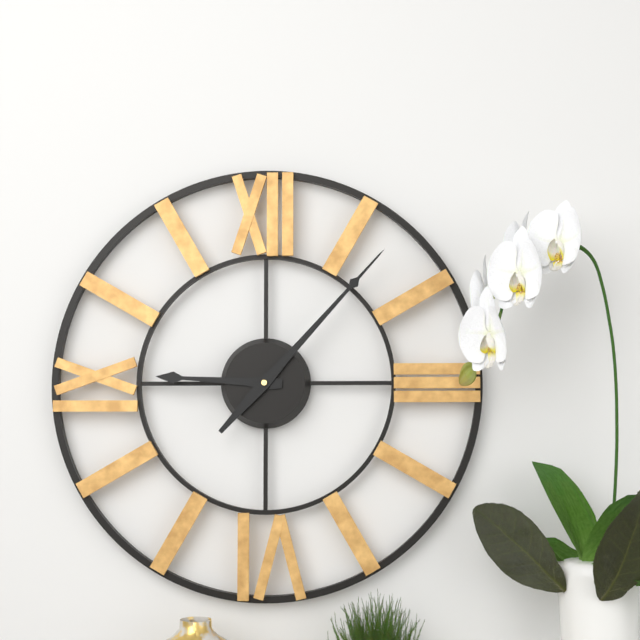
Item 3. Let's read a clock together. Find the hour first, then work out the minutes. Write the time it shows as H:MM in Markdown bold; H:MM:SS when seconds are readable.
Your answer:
**9:07**
